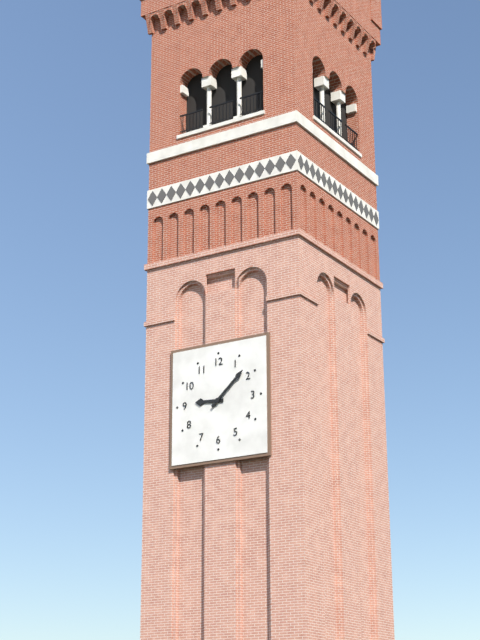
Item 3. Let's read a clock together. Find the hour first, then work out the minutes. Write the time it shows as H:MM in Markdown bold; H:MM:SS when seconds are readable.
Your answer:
**9:08**
